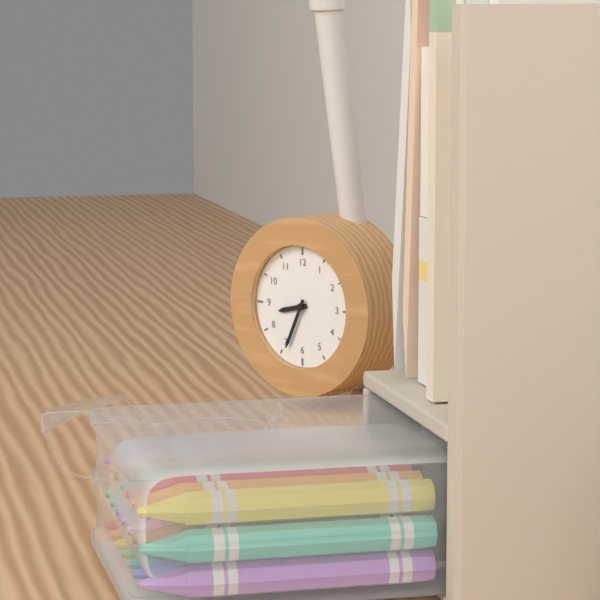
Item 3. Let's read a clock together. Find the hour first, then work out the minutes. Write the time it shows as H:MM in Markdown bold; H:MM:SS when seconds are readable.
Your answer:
**8:34**
